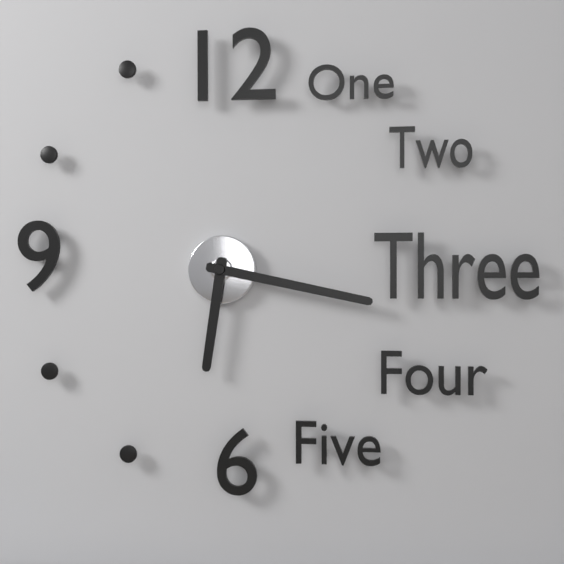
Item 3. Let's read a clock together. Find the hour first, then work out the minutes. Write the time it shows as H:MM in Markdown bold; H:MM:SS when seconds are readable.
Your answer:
**6:17**
